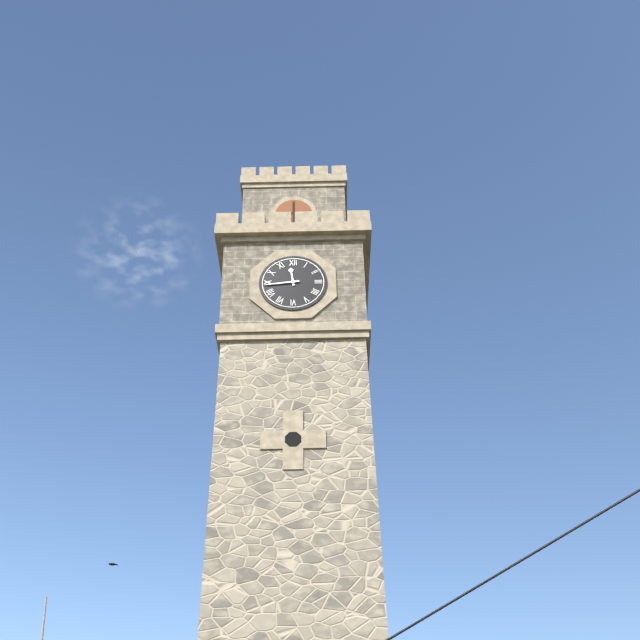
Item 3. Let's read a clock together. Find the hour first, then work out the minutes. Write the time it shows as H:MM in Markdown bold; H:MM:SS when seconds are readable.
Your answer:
**11:44**
